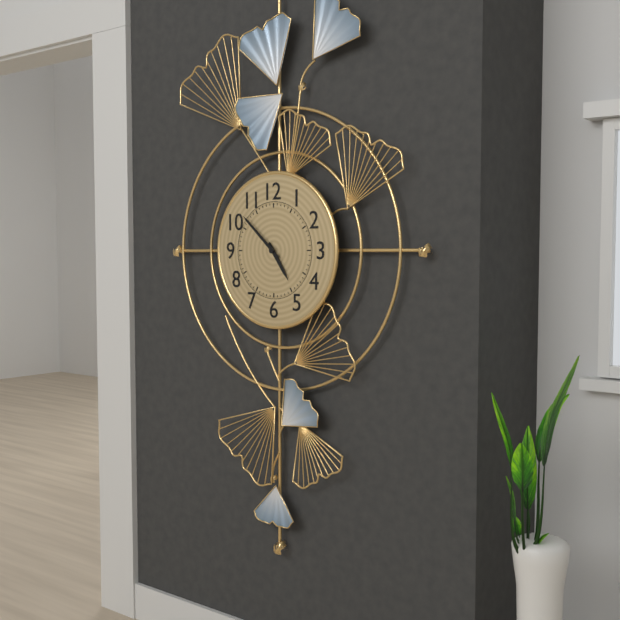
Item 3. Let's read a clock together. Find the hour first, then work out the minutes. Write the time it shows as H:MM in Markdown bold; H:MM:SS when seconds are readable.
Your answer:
**4:52**
